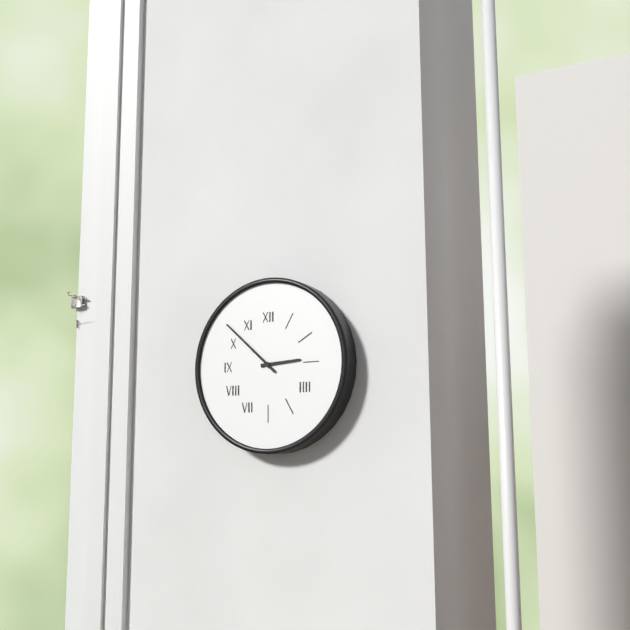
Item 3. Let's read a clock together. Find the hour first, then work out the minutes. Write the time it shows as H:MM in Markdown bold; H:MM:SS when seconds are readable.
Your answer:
**2:52**
